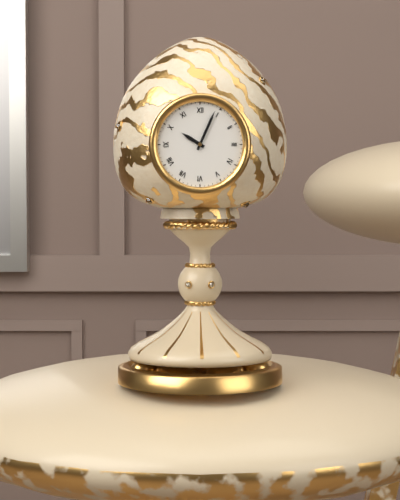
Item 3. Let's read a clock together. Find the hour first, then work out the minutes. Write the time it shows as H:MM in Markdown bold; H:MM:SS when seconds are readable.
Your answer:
**10:04**
